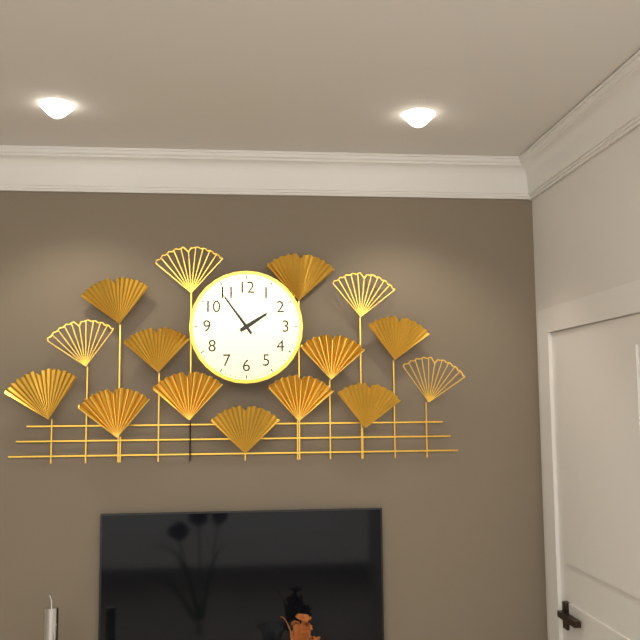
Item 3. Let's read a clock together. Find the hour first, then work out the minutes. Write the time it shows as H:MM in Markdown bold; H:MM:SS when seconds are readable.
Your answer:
**1:54**
